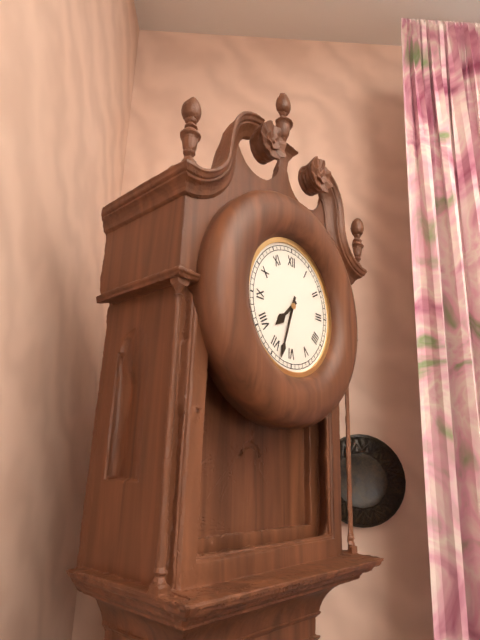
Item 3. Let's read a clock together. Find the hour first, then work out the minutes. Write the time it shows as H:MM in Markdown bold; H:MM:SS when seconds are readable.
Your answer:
**7:33**
